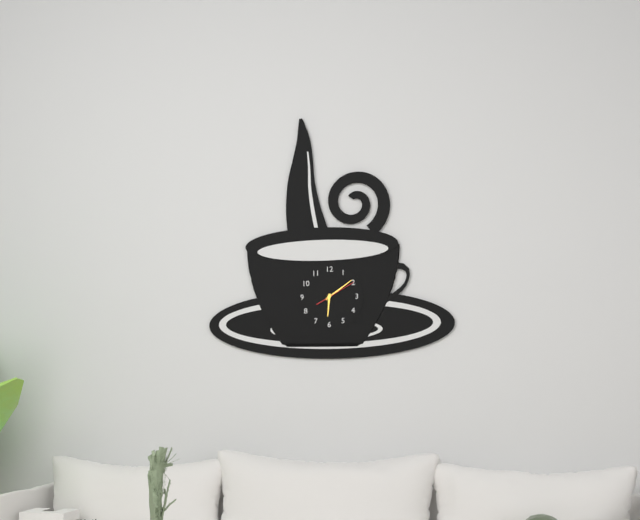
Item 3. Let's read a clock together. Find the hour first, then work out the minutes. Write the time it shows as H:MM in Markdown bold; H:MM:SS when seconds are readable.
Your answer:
**6:09**
